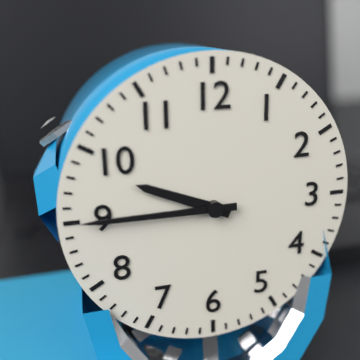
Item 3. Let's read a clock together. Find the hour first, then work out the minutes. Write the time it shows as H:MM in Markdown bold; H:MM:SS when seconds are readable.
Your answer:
**9:45**
